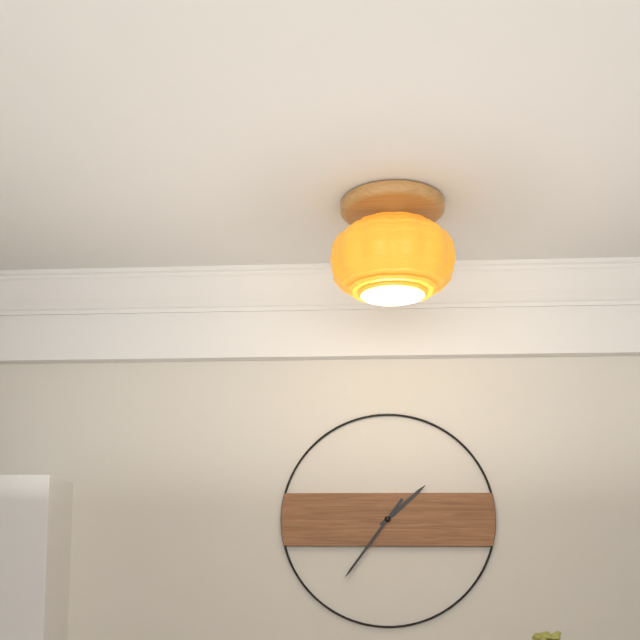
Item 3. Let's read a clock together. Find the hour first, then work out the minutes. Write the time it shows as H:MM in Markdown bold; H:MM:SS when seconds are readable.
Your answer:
**1:36**
